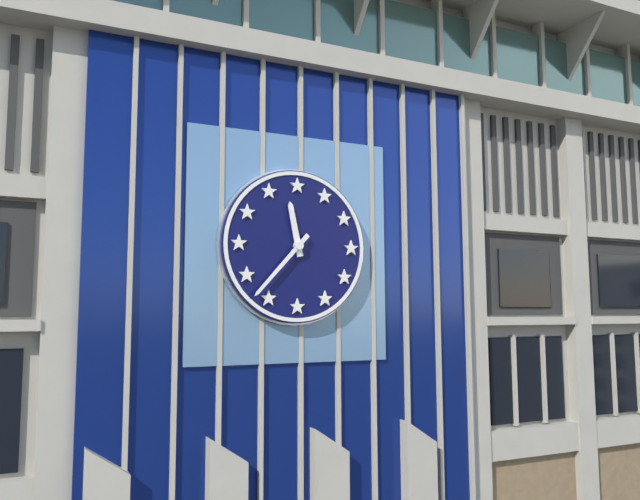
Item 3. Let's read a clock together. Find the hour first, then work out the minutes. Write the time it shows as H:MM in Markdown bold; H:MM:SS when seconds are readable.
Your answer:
**11:37**
